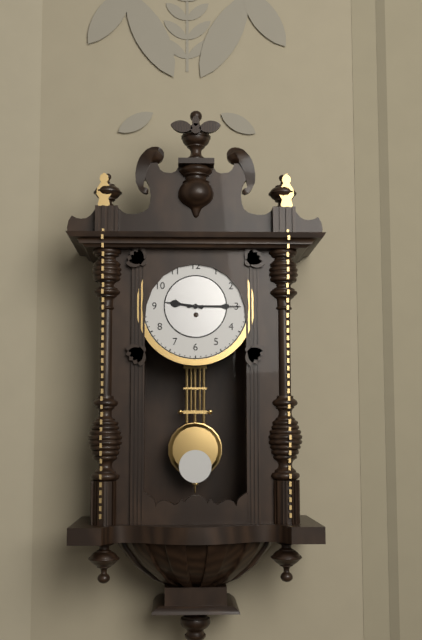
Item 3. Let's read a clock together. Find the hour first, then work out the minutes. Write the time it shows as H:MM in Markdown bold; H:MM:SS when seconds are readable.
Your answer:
**9:15**
